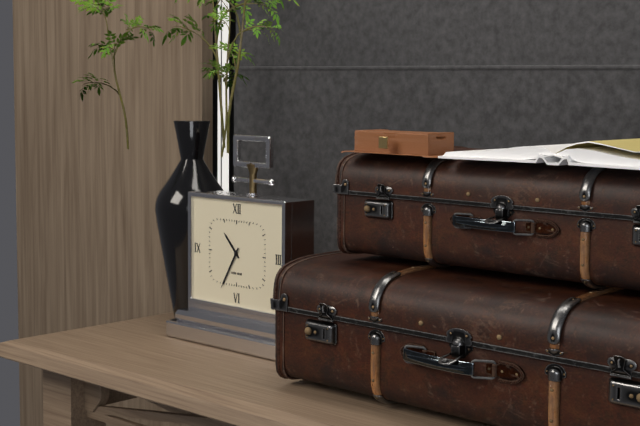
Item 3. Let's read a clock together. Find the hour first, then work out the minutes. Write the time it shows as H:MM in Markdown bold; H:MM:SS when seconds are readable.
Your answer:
**10:35**
